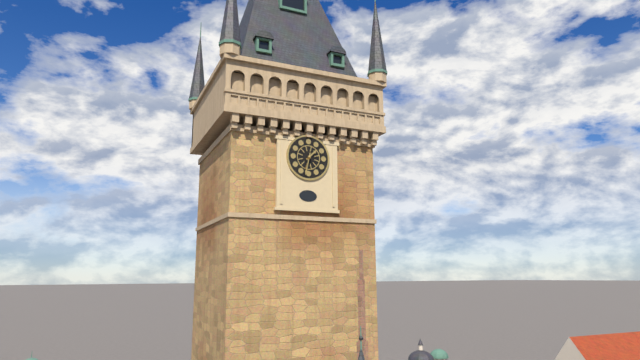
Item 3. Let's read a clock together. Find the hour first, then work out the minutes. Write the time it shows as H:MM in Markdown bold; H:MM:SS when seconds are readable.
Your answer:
**1:32**
